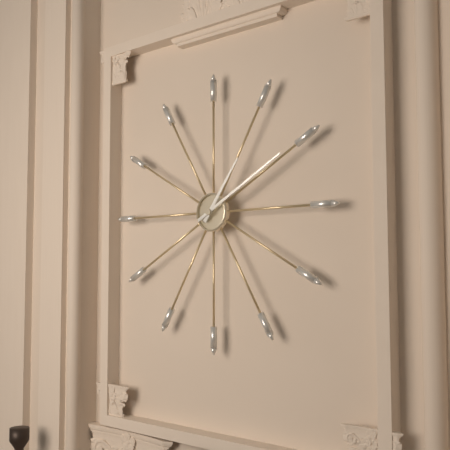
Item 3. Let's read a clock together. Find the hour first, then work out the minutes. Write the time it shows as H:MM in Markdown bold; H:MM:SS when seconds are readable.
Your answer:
**1:10**
